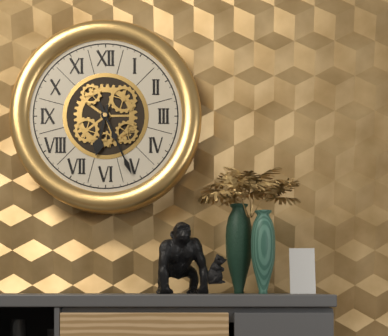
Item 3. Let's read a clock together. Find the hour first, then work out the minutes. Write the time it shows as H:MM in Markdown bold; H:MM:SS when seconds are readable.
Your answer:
**6:26**
